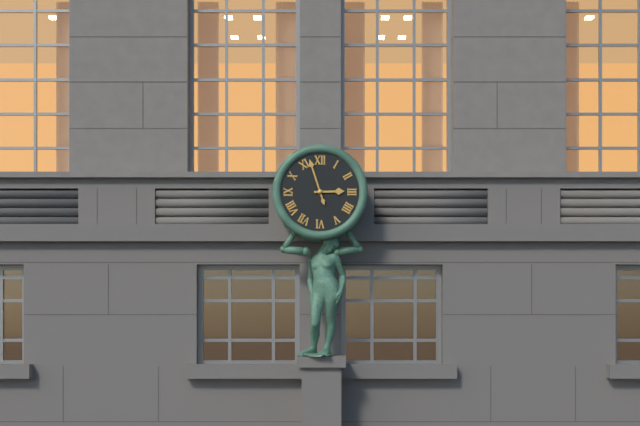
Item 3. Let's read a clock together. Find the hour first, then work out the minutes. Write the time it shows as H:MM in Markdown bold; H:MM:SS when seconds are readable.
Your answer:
**2:57**
